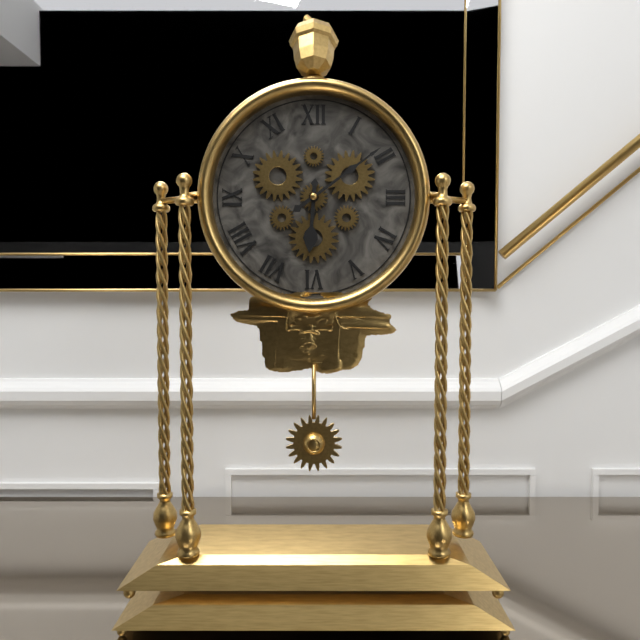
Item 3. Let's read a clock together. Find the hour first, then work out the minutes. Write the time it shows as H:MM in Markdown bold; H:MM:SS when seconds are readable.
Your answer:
**6:09**
